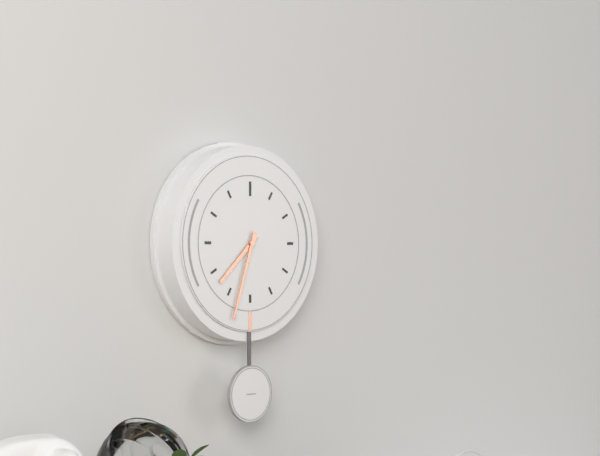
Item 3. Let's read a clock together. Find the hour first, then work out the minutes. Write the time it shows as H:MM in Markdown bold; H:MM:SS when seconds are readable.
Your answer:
**7:33**
